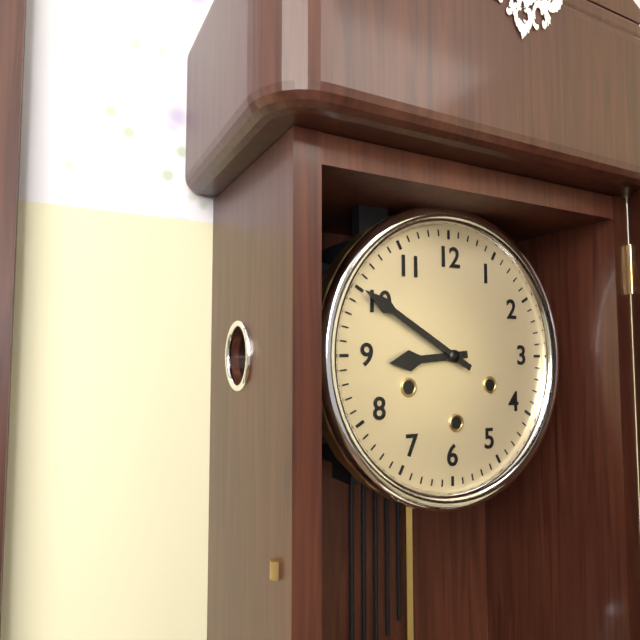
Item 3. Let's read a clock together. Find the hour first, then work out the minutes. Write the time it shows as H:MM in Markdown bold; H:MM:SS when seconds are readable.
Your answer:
**8:50**
